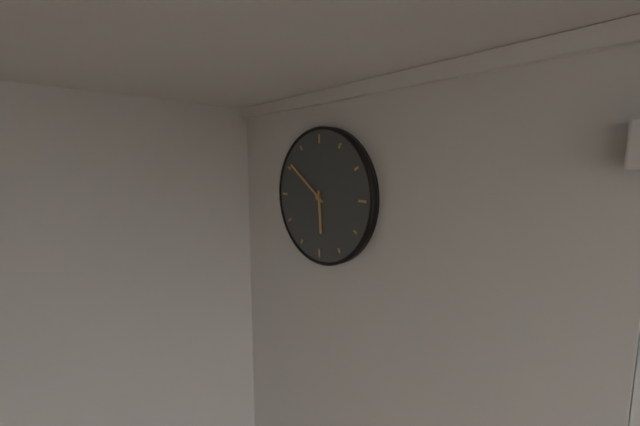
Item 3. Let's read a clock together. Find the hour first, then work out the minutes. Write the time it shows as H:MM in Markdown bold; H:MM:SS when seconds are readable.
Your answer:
**5:51**
